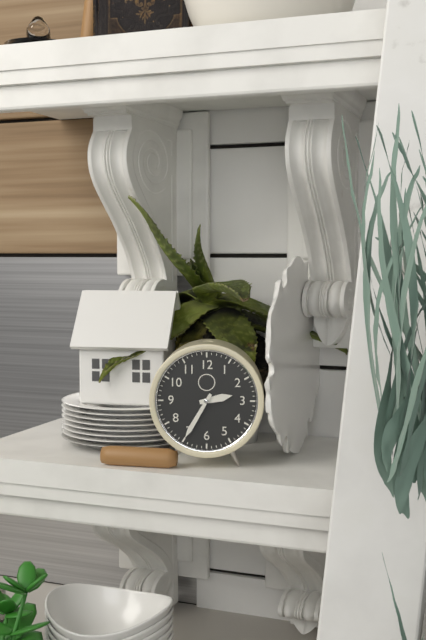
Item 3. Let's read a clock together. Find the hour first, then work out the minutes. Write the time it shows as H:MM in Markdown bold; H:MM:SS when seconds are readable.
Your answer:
**2:35**
